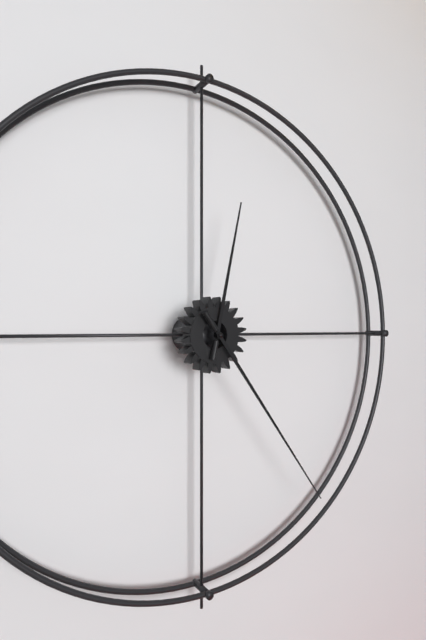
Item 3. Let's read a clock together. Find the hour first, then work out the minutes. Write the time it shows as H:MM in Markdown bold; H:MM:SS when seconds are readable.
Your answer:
**12:24**
